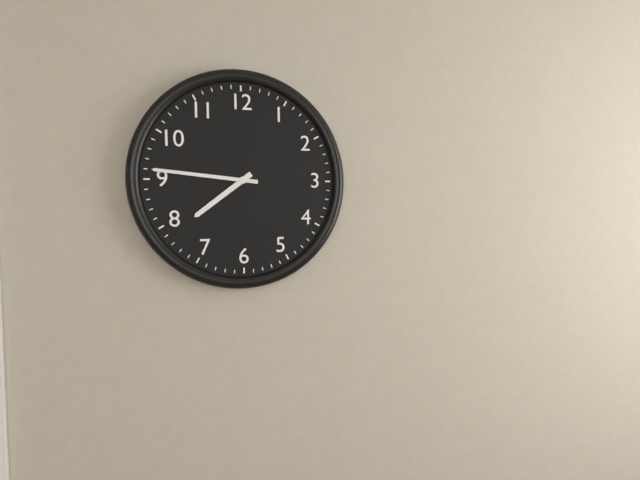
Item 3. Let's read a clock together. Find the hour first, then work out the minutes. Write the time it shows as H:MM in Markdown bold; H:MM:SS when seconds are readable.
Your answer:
**7:46**
